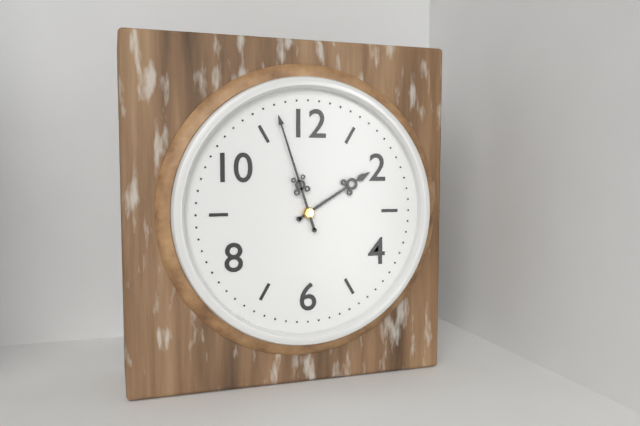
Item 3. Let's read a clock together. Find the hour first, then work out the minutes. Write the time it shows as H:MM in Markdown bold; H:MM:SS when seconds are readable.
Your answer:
**1:57**
